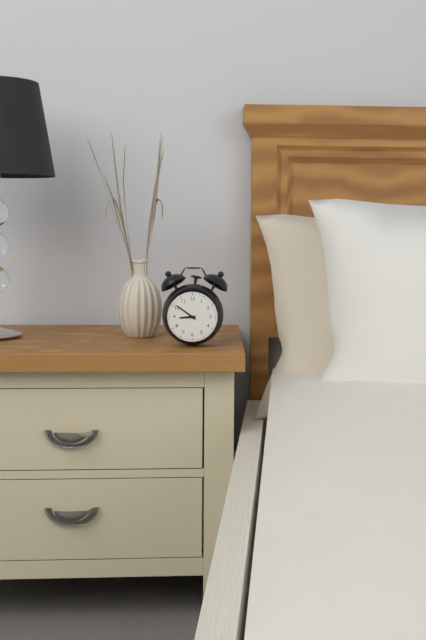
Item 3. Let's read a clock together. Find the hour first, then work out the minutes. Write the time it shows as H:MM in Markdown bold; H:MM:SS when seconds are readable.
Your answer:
**8:51**
